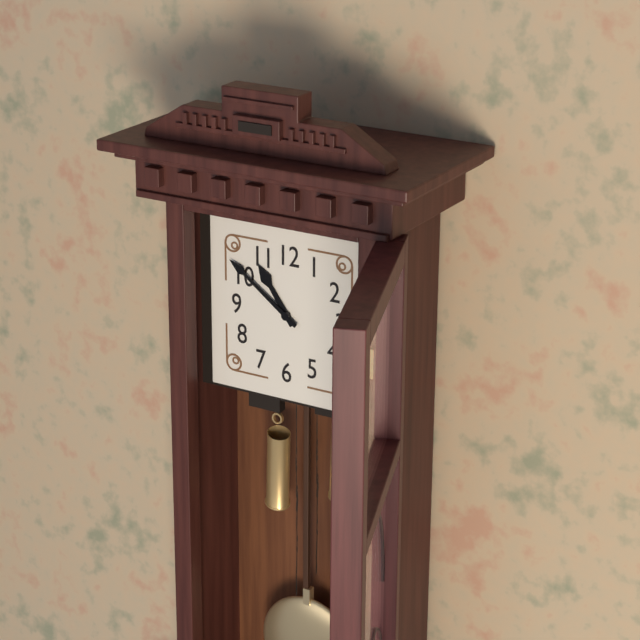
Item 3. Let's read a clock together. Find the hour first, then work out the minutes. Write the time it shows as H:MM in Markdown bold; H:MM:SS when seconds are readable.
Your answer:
**10:51**
